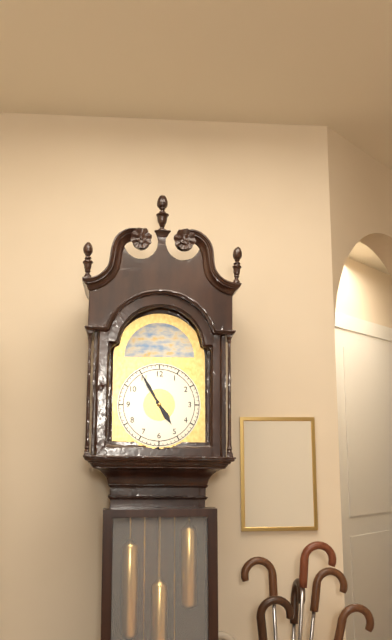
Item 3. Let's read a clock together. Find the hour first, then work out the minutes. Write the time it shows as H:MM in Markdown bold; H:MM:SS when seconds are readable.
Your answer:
**4:55**
